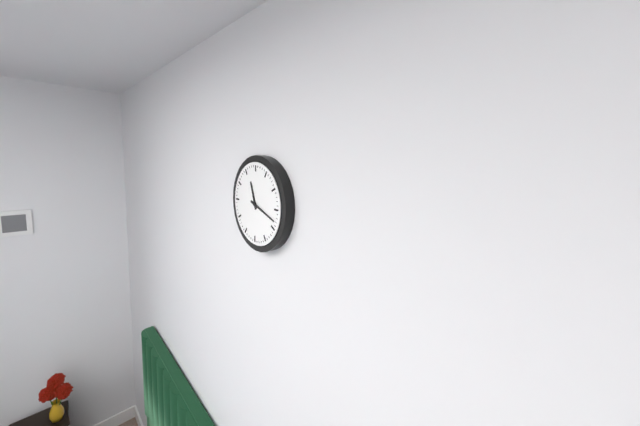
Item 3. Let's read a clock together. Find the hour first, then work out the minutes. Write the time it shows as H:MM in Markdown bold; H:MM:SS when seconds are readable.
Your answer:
**11:18**
